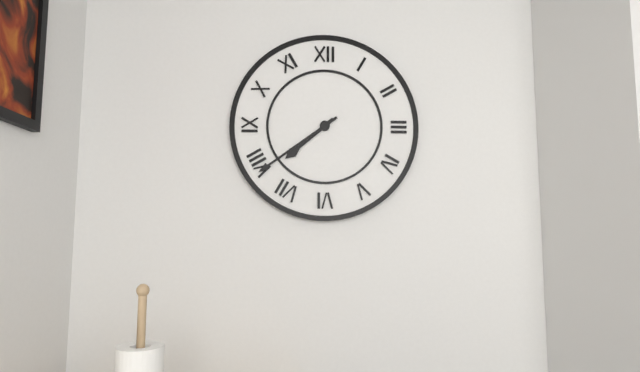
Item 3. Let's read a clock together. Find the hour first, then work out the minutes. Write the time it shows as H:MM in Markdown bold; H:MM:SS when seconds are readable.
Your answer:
**7:39**
